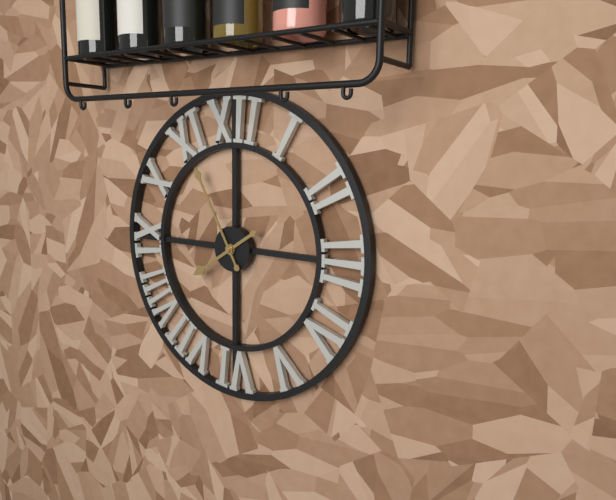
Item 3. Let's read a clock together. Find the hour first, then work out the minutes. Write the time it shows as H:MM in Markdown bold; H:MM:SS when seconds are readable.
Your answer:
**7:55**
